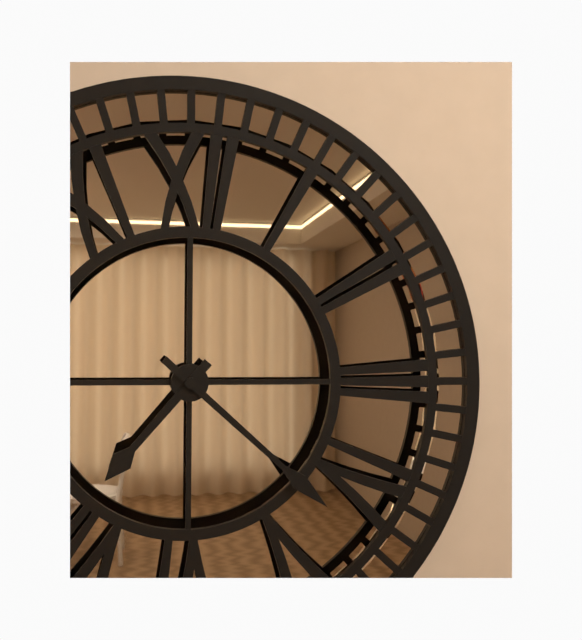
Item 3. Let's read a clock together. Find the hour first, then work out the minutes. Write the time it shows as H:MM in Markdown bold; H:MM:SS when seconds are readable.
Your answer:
**7:22**
